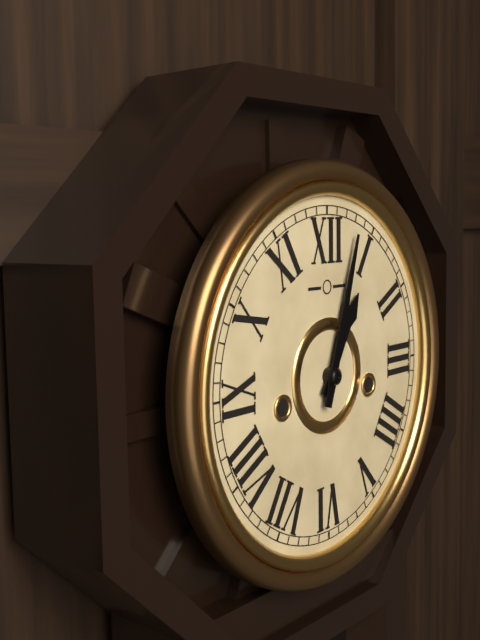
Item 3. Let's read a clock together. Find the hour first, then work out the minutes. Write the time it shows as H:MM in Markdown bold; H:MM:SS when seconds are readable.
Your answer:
**1:03**
